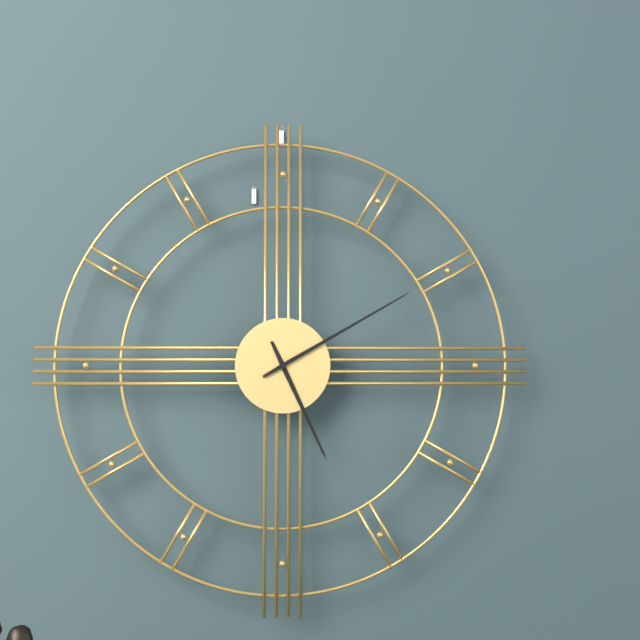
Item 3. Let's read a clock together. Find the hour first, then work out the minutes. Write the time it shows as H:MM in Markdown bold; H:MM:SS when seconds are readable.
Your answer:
**5:10**
